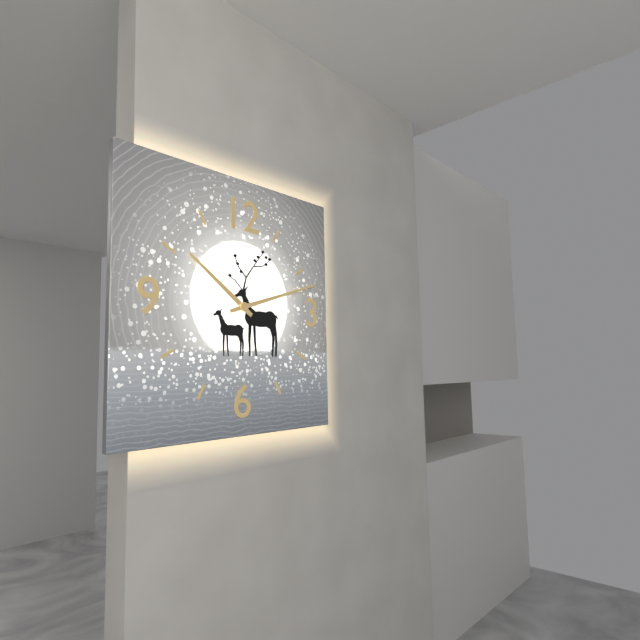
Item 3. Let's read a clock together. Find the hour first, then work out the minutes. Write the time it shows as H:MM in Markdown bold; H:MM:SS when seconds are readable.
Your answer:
**10:12**
